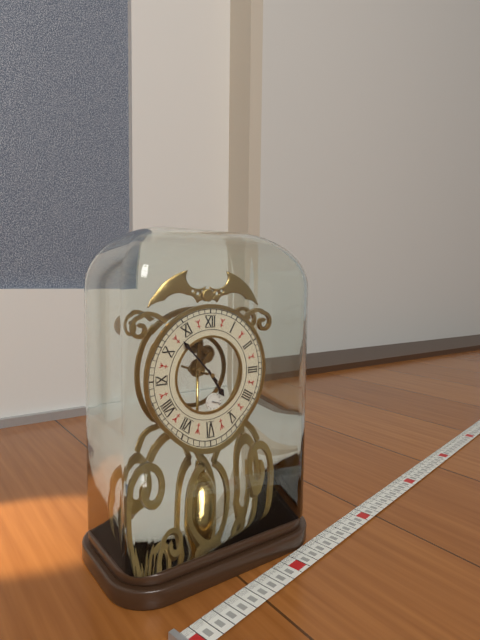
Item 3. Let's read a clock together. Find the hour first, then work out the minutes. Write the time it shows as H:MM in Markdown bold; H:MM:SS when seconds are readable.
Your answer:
**4:53**
